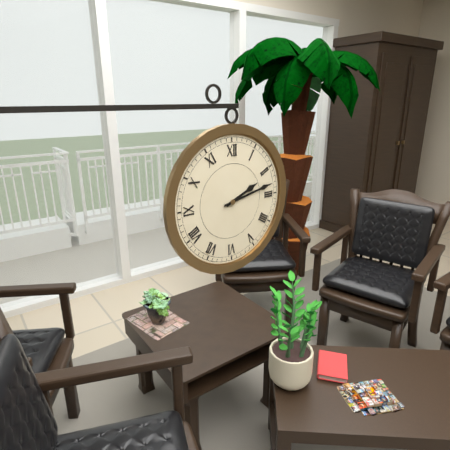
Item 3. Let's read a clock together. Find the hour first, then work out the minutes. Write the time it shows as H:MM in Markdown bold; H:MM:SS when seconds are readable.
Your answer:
**2:13**
